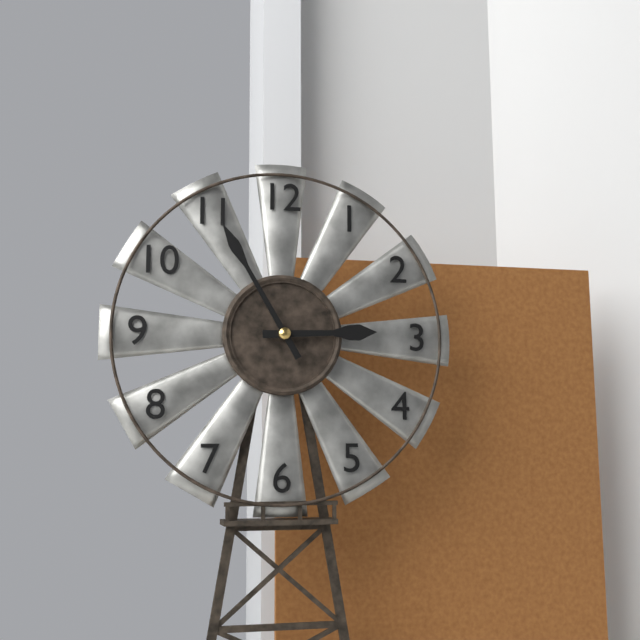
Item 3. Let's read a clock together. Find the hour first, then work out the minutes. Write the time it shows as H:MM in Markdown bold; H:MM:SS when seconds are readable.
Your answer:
**2:55**
